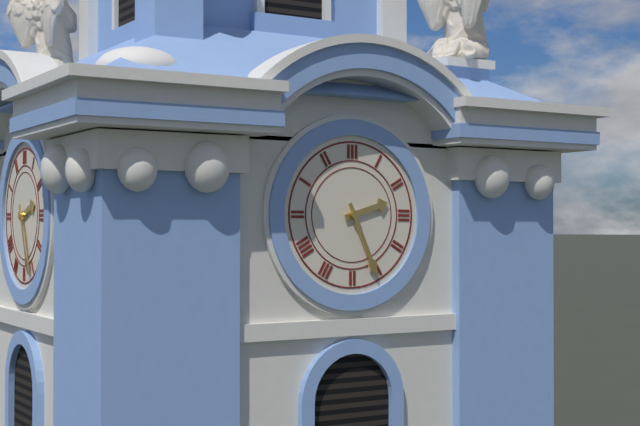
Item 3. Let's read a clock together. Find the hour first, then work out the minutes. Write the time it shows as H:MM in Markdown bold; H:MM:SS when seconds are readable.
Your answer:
**2:26**
